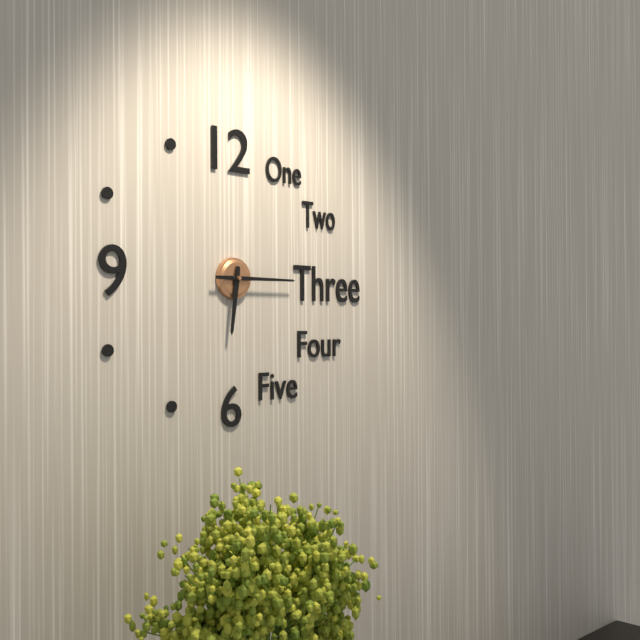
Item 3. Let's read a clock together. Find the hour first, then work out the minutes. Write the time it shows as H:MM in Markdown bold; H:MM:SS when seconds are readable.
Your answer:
**6:15**
